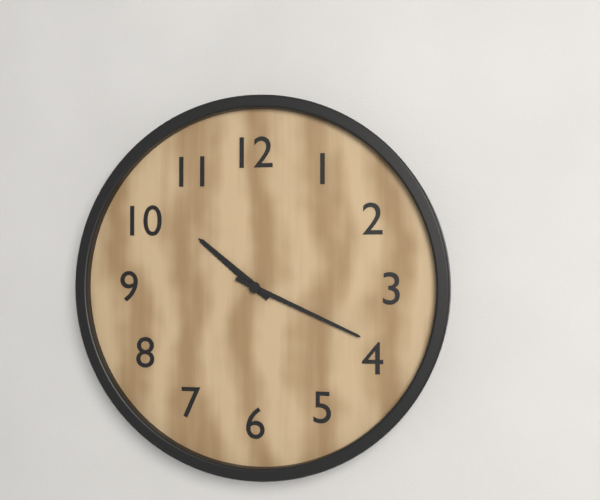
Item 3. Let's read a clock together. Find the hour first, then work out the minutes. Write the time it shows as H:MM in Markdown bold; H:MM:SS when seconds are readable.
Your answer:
**10:19**
